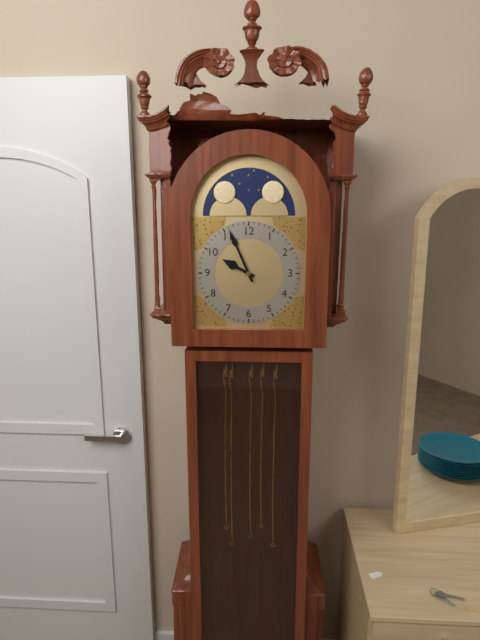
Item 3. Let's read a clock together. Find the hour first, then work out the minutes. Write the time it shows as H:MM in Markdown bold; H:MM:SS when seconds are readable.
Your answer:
**9:56**
